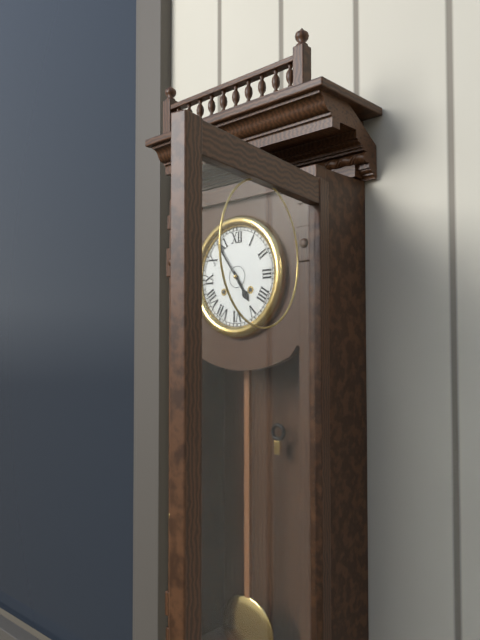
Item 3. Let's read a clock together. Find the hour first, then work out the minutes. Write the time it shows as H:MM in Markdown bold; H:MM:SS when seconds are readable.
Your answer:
**4:54**
